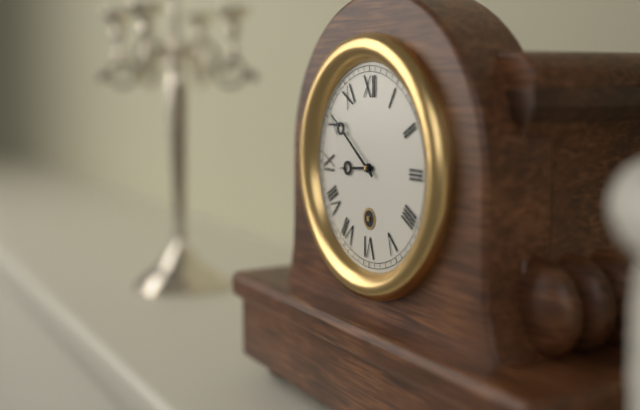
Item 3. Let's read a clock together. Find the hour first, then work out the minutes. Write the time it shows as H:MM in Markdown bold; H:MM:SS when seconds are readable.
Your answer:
**8:51**
